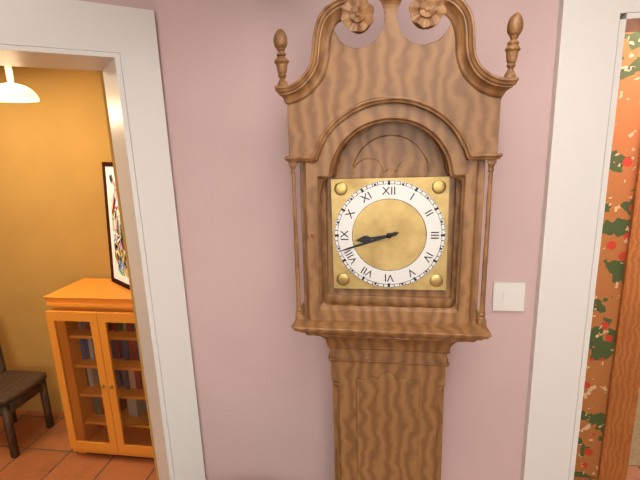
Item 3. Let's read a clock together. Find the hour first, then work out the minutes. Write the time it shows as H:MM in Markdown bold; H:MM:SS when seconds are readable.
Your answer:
**8:42**
